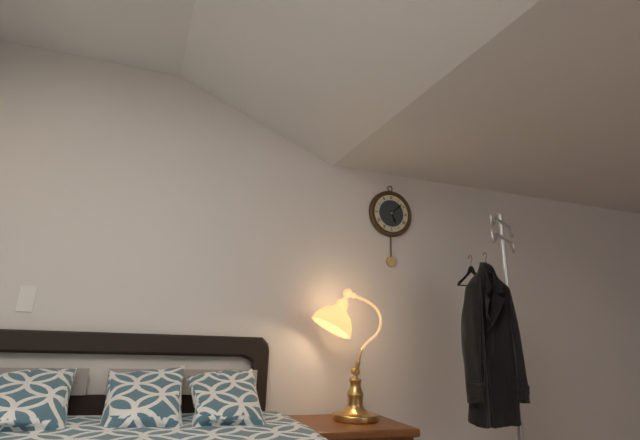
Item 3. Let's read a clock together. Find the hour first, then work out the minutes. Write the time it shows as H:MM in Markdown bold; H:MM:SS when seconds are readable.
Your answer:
**5:08**
